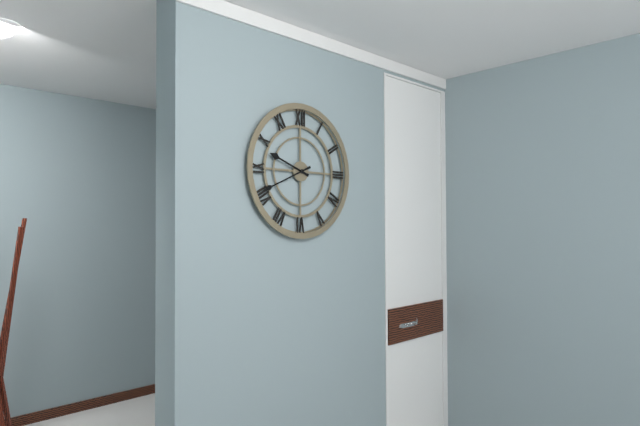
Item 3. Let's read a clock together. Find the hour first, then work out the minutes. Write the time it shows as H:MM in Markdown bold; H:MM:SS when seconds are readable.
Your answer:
**9:41**
